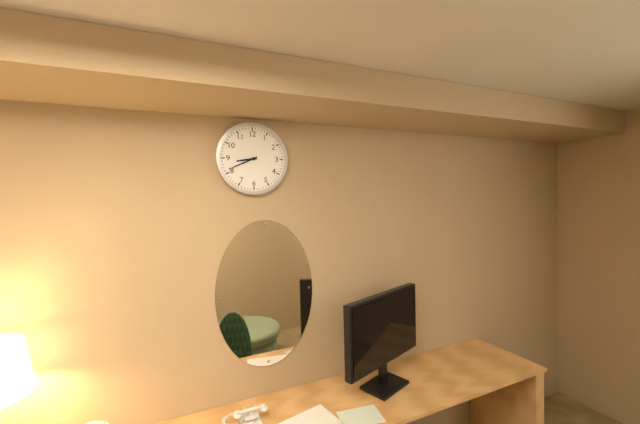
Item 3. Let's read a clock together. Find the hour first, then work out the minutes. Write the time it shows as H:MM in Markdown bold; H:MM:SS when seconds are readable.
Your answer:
**8:41**
